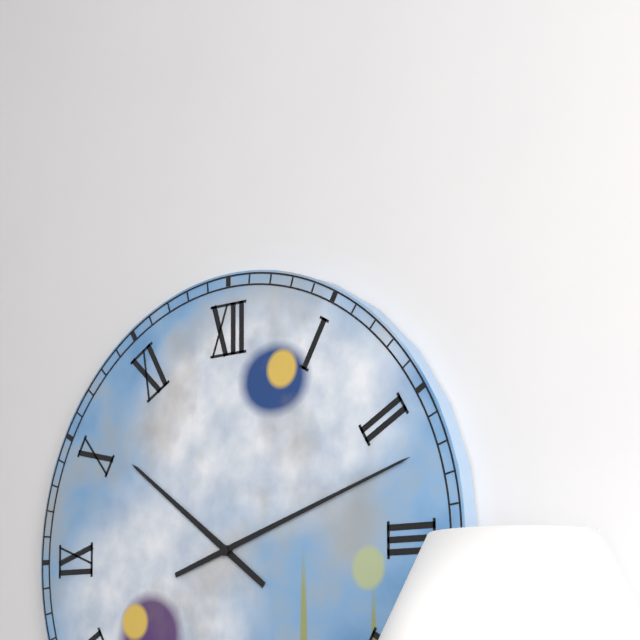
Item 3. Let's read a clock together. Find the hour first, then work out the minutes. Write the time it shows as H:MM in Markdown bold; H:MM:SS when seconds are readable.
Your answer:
**10:12**
